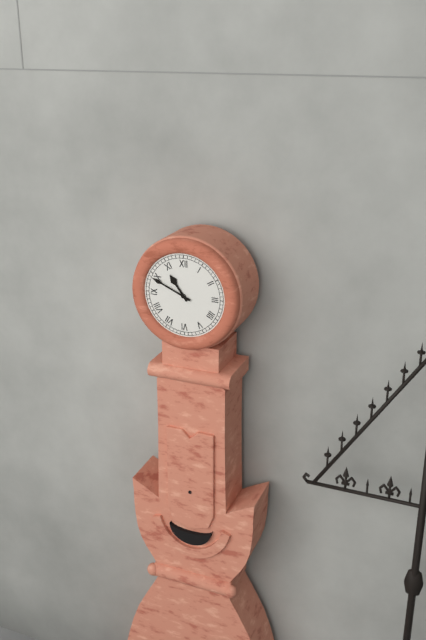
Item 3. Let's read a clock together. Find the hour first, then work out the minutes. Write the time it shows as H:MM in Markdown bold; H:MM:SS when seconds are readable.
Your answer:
**10:49**
